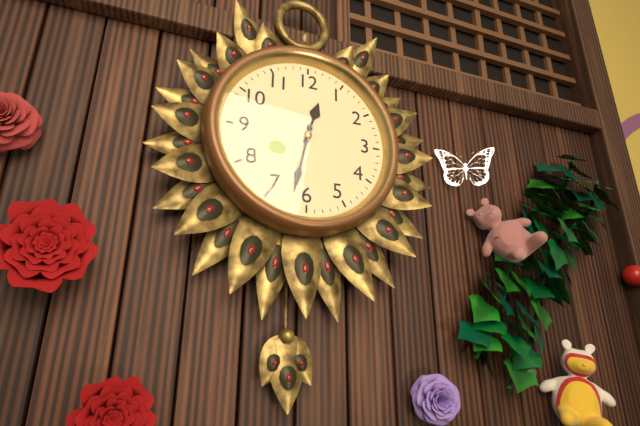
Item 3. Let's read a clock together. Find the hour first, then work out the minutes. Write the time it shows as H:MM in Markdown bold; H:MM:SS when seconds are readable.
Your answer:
**12:32**
